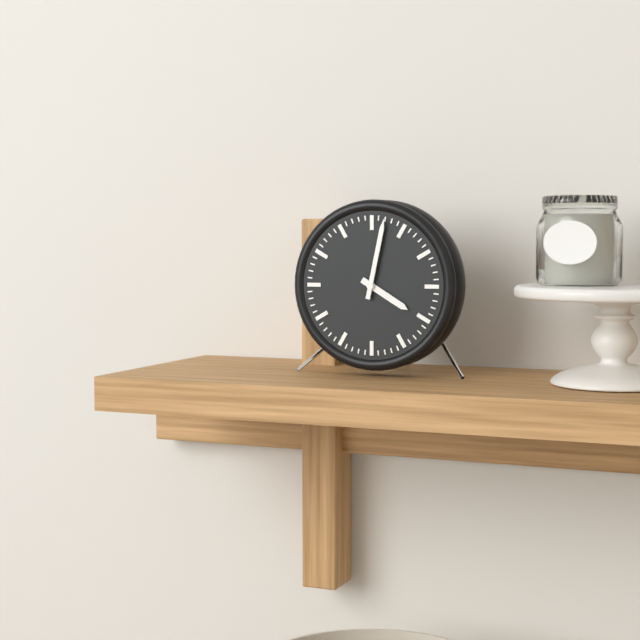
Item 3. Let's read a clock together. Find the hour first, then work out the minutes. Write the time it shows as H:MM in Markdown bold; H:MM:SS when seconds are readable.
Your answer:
**4:02**
